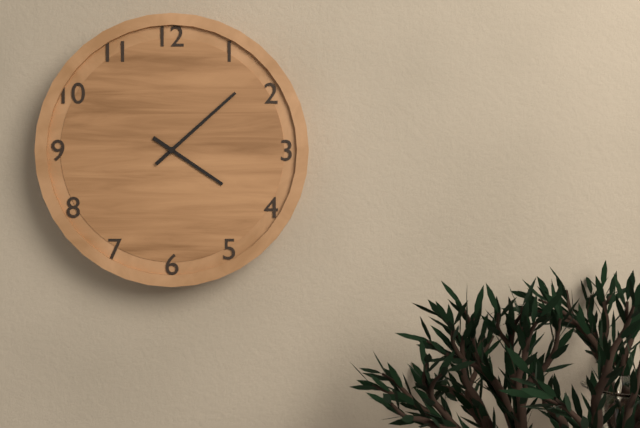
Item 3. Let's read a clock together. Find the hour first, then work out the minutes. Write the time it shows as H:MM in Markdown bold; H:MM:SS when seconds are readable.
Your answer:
**4:08**
